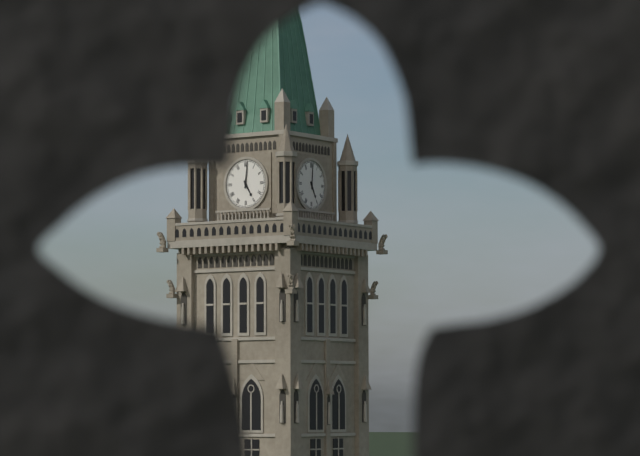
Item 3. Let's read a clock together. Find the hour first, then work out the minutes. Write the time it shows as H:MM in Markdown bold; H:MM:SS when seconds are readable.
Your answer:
**5:01**
